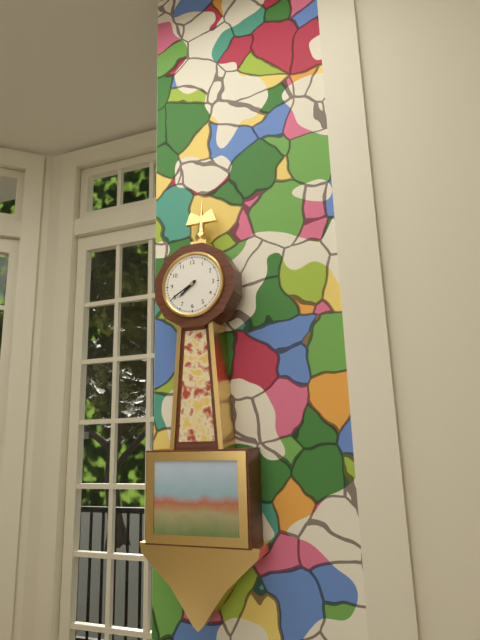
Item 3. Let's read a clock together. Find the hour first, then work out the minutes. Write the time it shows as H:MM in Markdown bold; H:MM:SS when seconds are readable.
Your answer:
**7:40**
